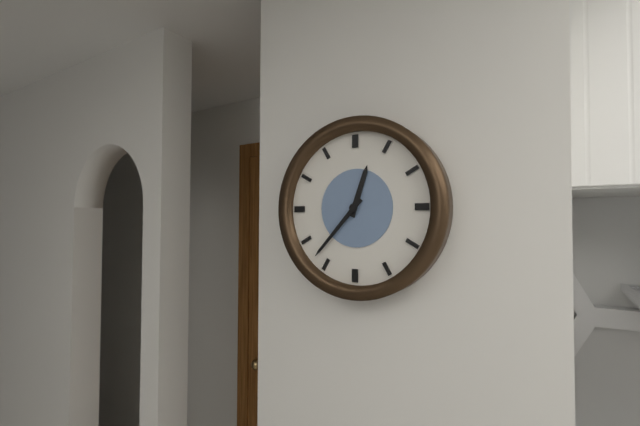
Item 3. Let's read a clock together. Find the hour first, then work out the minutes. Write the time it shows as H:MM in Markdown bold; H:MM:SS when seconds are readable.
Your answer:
**12:37**
